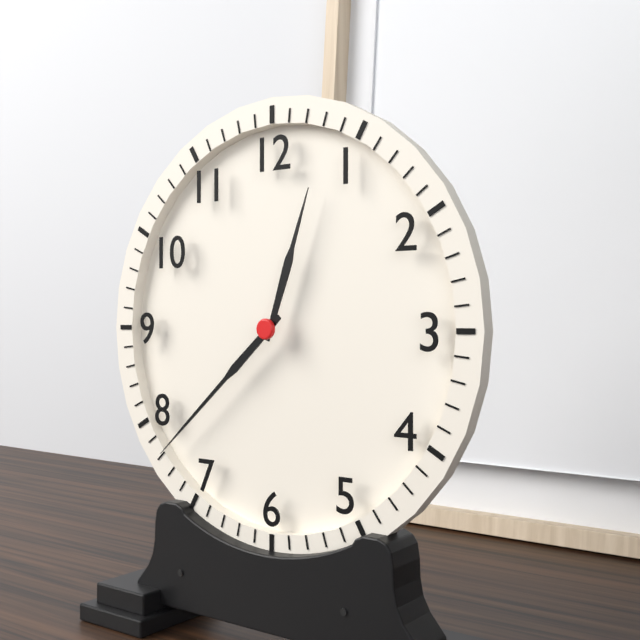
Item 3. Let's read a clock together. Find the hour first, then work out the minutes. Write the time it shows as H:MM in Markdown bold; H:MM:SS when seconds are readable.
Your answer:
**12:38**
